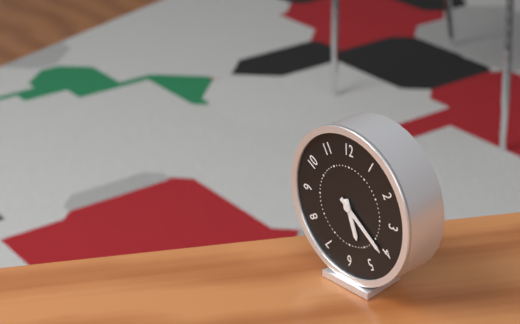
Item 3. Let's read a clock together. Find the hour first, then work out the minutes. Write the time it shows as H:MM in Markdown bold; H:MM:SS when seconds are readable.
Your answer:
**5:21**
